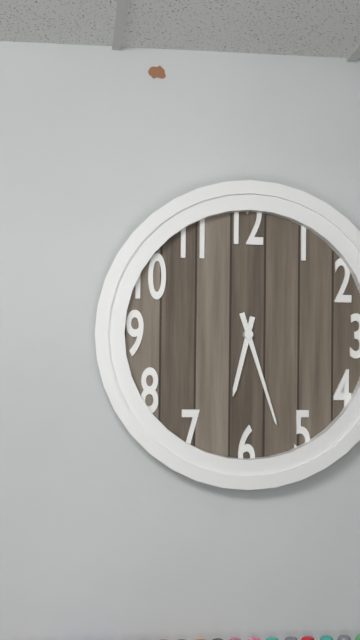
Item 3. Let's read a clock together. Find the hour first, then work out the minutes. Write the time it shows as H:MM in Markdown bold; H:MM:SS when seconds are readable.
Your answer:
**6:27**
